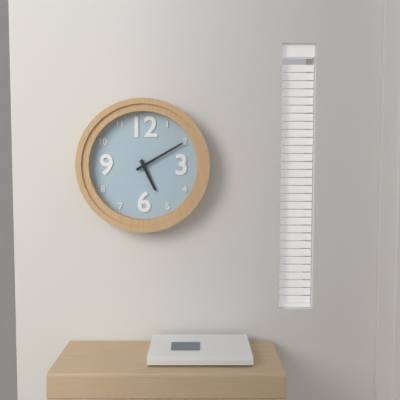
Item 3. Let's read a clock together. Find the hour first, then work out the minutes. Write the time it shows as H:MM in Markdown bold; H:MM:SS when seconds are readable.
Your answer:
**5:10**
